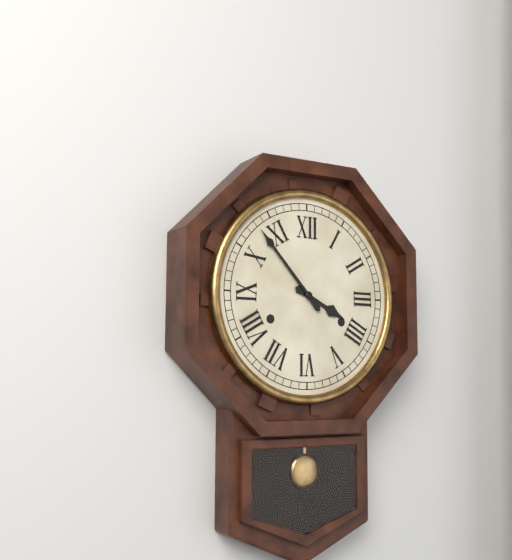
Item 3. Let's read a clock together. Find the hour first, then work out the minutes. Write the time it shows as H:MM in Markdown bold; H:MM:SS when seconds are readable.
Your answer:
**3:53**
